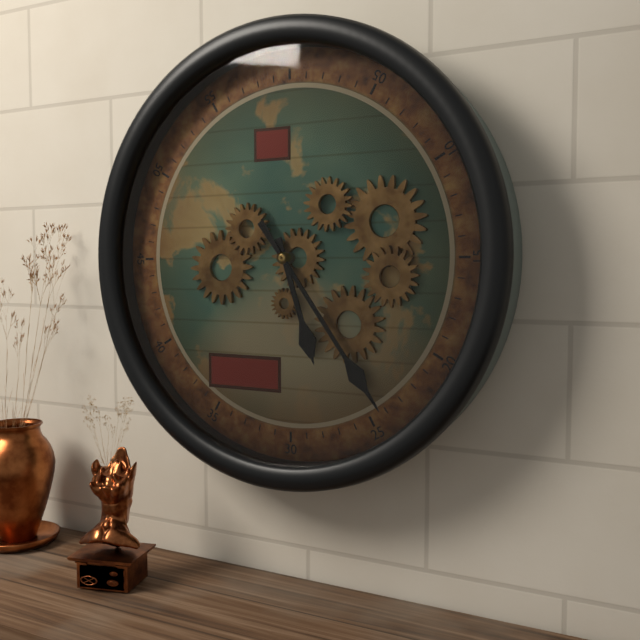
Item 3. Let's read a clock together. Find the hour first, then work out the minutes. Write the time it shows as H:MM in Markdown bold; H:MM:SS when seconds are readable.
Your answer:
**5:24**
